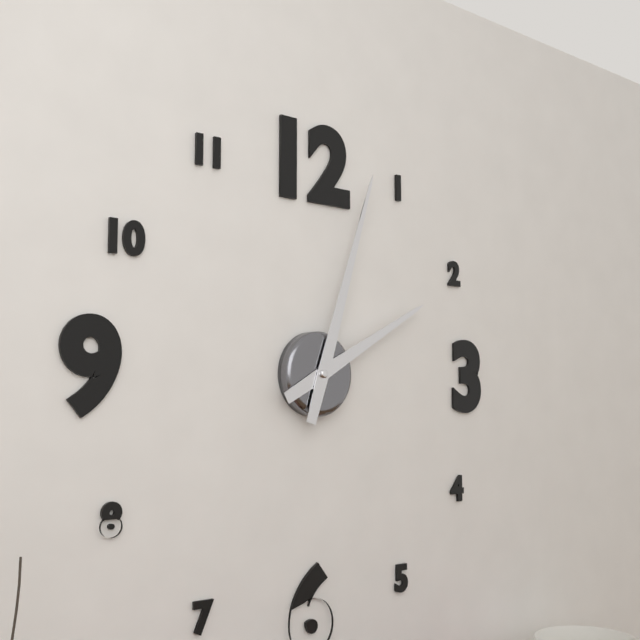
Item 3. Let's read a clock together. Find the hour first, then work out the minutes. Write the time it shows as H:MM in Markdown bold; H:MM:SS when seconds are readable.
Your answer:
**2:03**
